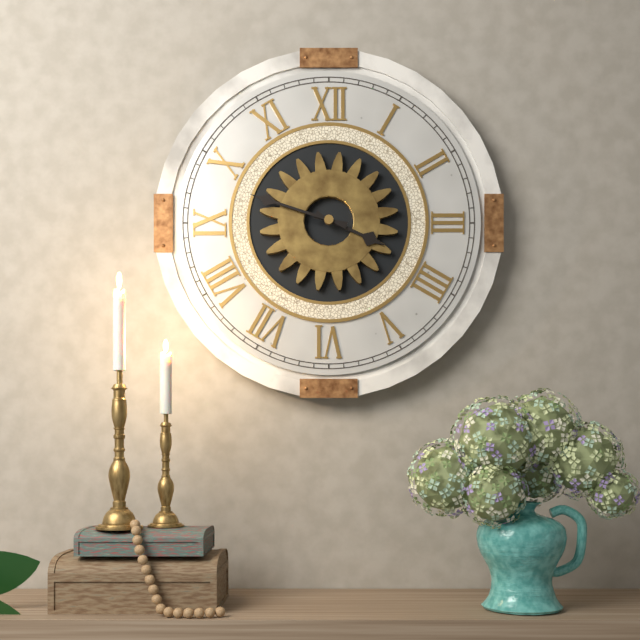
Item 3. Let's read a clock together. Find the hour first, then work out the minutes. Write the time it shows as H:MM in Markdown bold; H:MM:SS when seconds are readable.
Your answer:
**3:48**
